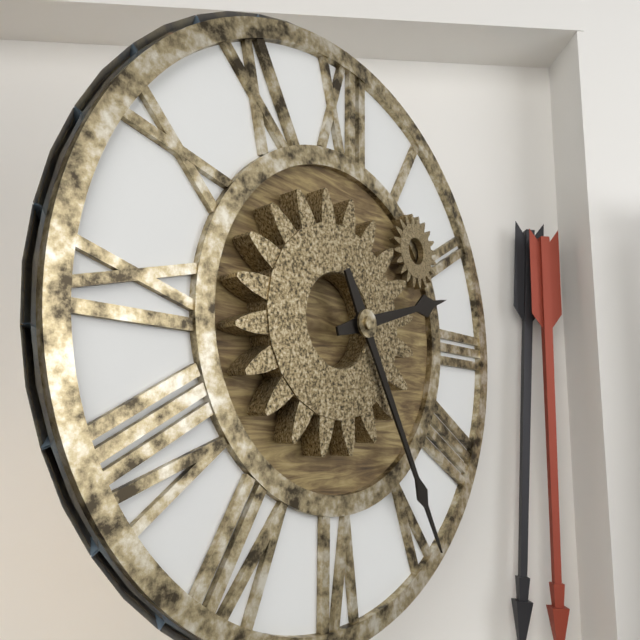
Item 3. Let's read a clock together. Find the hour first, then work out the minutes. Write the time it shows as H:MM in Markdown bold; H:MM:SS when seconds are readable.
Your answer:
**2:25**
